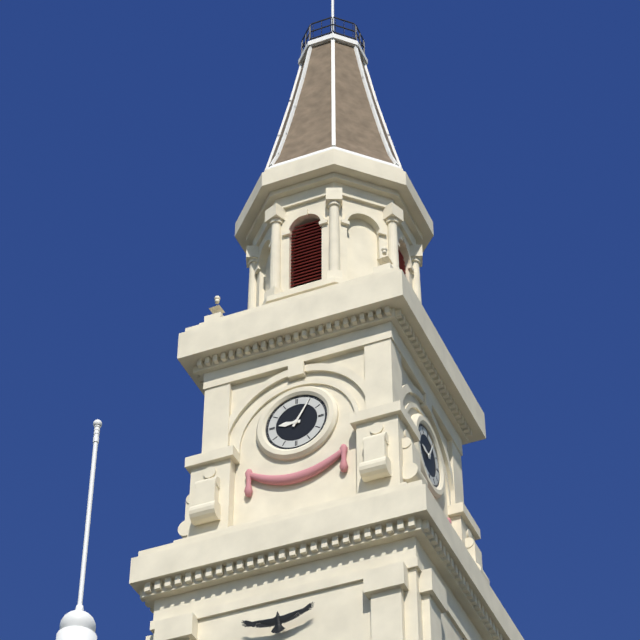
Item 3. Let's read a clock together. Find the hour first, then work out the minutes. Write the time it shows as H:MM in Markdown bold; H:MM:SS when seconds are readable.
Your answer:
**9:05**
